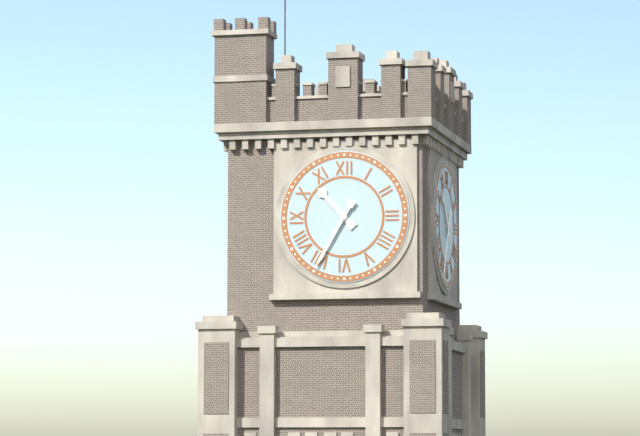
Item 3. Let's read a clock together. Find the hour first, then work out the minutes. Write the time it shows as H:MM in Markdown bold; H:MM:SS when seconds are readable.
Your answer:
**10:35**
